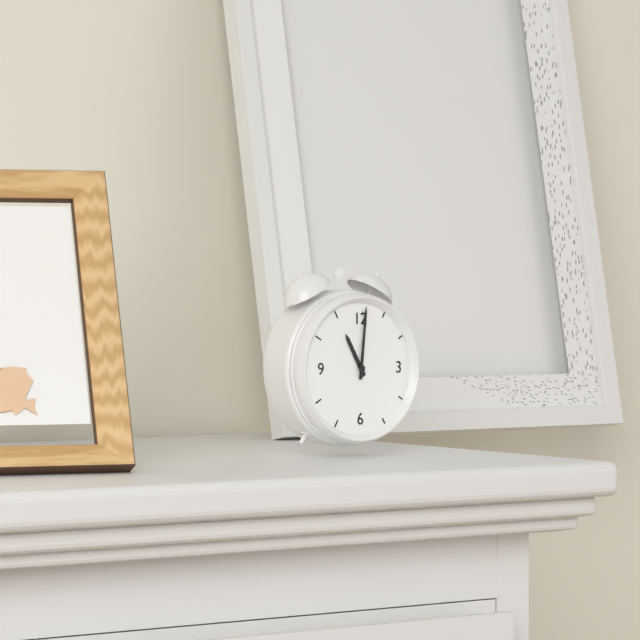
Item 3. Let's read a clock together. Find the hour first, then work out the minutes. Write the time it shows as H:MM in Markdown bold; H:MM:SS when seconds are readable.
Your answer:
**11:01**
